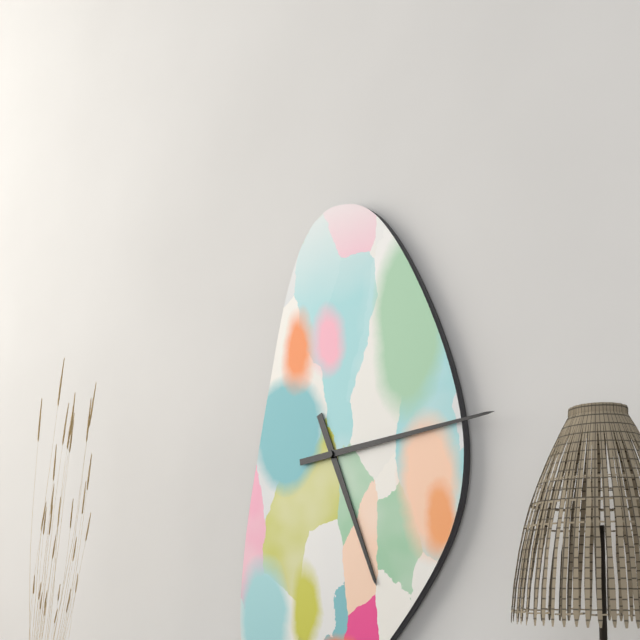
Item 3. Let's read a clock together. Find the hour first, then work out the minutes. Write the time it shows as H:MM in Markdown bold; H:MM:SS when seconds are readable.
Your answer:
**5:14**
